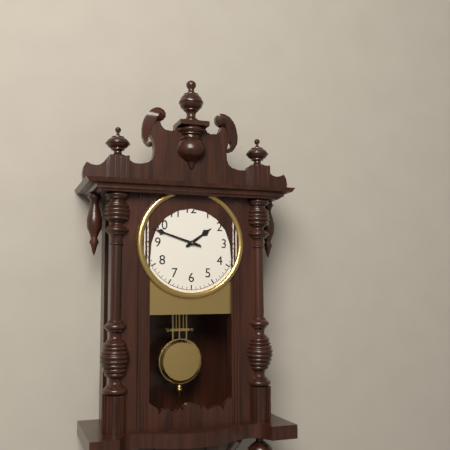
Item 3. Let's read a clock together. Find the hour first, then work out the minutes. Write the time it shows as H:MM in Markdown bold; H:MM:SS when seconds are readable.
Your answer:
**1:48**
